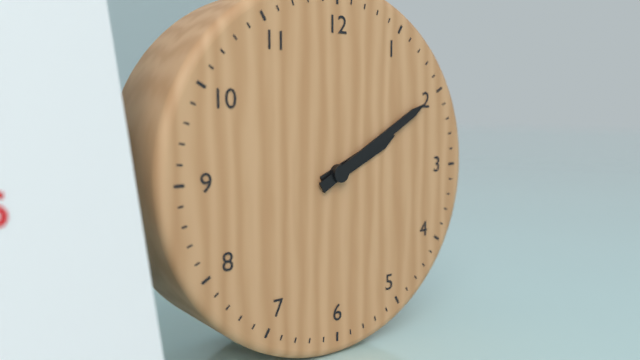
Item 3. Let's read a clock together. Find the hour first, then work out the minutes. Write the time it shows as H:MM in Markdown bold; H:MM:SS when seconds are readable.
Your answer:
**2:10**
